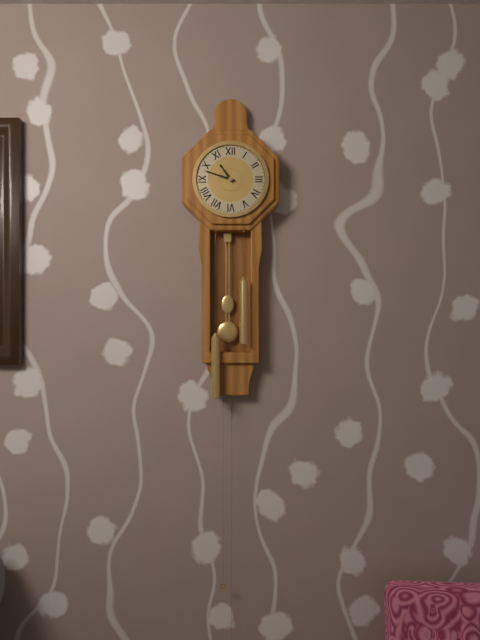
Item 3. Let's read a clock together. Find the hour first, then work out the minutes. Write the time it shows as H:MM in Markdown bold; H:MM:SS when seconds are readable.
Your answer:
**10:48**
